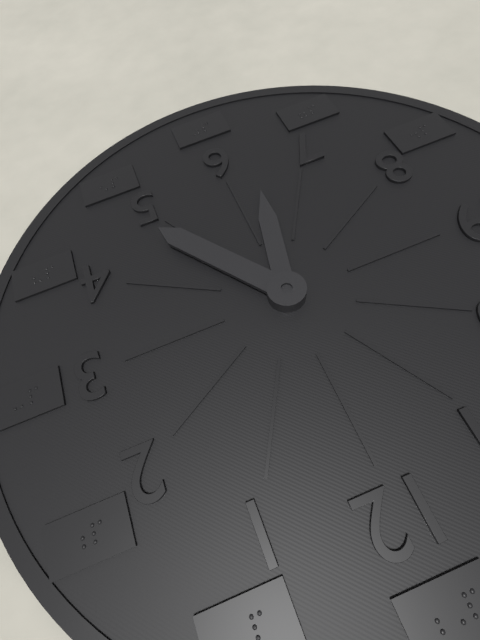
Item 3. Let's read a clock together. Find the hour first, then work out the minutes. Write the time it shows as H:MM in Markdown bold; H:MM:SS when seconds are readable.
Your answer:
**6:24**
